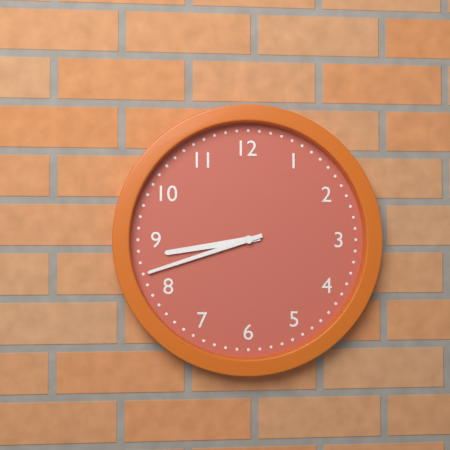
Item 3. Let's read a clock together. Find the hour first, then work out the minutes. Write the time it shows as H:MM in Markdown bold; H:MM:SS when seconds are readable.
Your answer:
**8:42**
